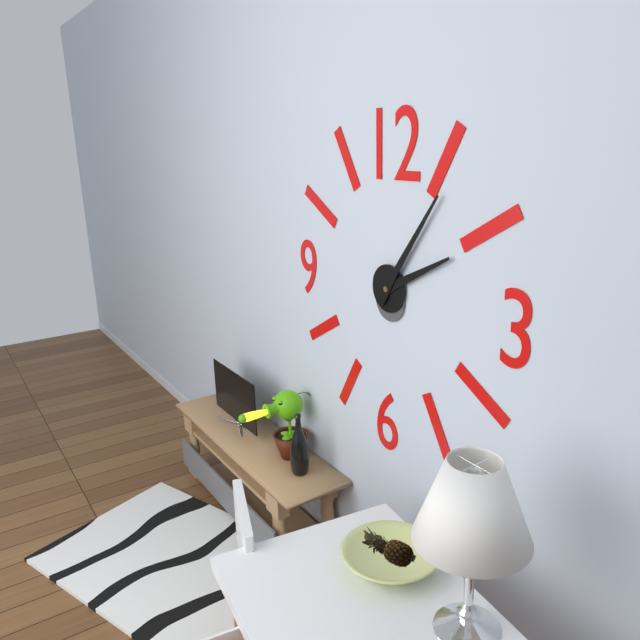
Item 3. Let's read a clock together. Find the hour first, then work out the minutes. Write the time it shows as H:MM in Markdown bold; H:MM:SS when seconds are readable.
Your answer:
**2:06**
